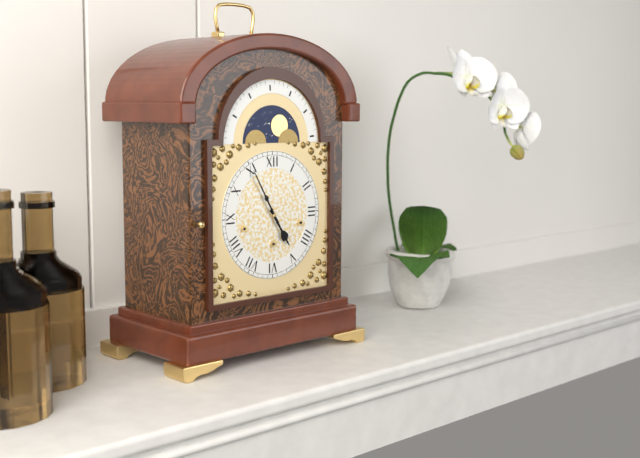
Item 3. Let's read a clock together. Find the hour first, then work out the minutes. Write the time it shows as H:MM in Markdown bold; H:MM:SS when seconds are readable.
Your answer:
**4:55**
